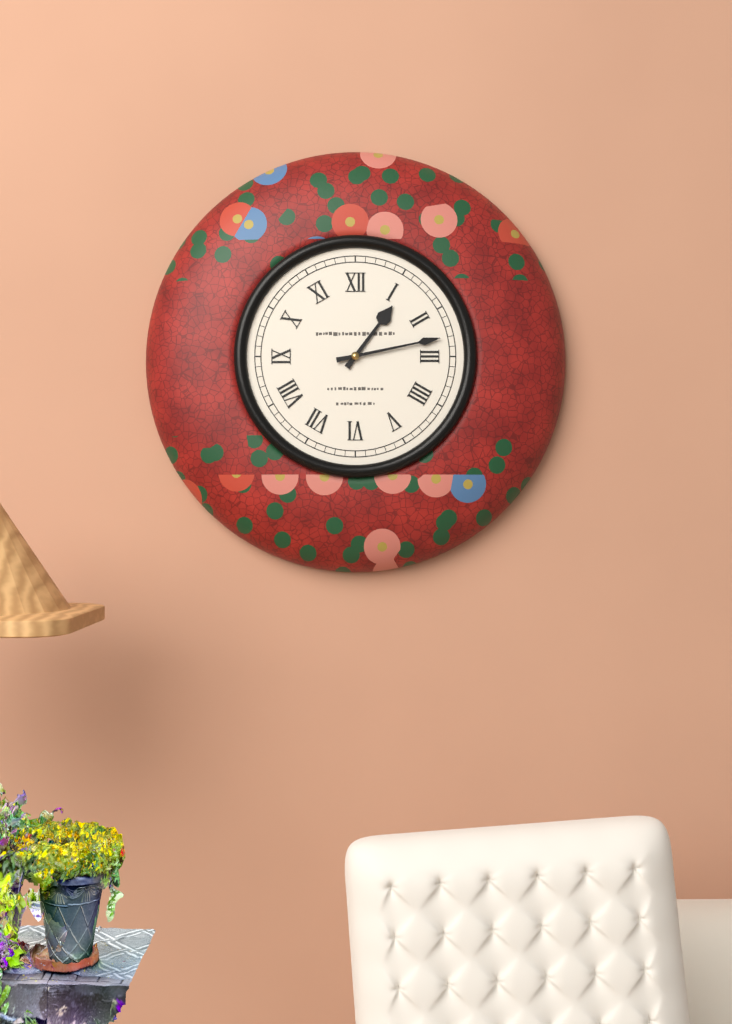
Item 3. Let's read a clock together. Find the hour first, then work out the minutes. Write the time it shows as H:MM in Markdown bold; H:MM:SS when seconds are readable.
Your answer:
**1:13**
